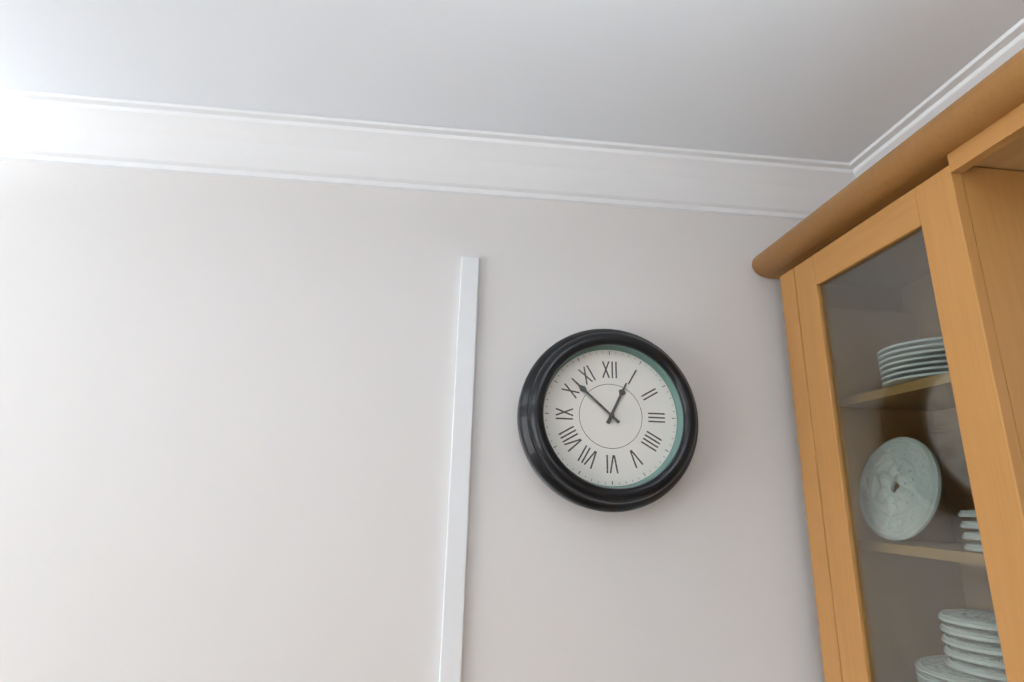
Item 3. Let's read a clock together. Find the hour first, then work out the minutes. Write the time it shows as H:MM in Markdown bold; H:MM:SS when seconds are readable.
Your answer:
**12:52**
